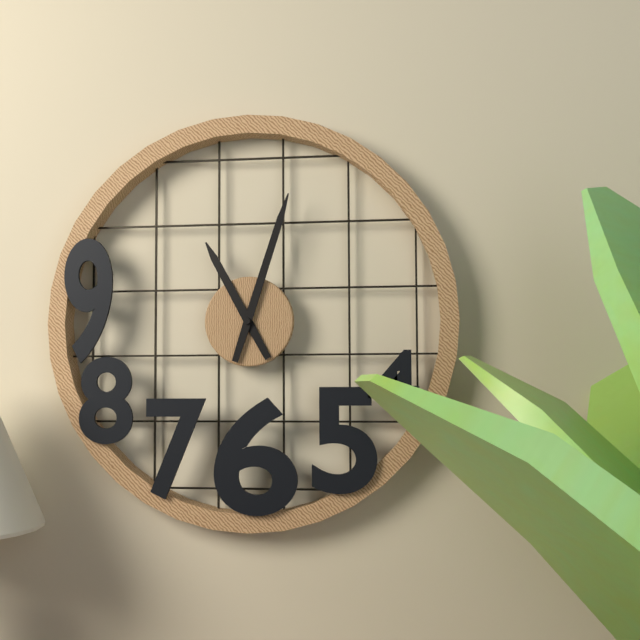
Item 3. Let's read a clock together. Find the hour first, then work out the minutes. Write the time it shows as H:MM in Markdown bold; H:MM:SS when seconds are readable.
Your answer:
**11:03**
